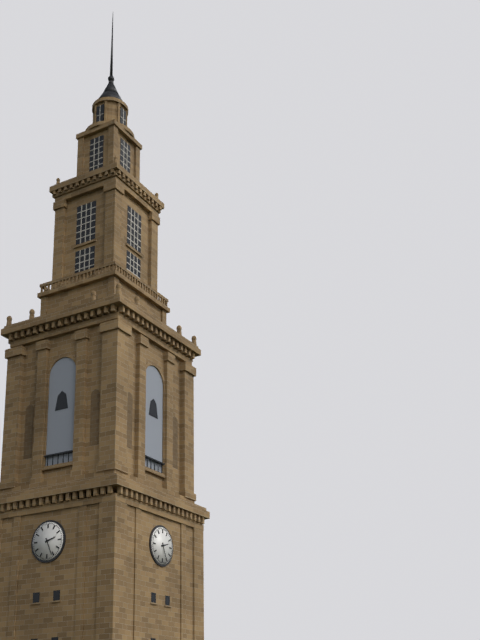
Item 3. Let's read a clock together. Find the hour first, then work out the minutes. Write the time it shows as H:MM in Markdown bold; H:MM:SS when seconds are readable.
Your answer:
**2:26**
